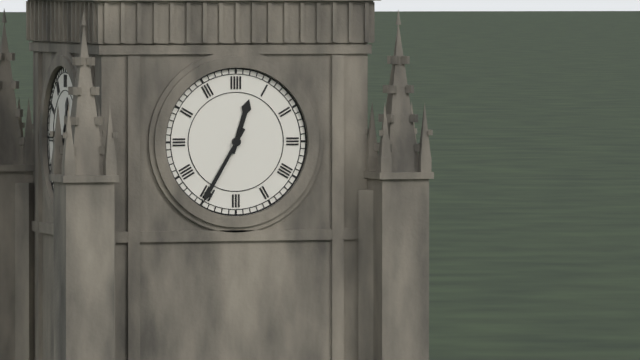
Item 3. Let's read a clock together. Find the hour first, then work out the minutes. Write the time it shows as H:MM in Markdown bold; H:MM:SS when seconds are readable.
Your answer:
**12:35**
